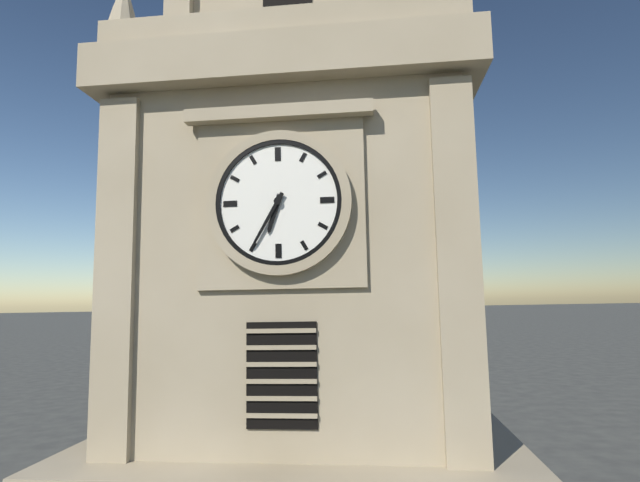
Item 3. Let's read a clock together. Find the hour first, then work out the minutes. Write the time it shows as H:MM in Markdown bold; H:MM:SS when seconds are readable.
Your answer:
**6:35**
